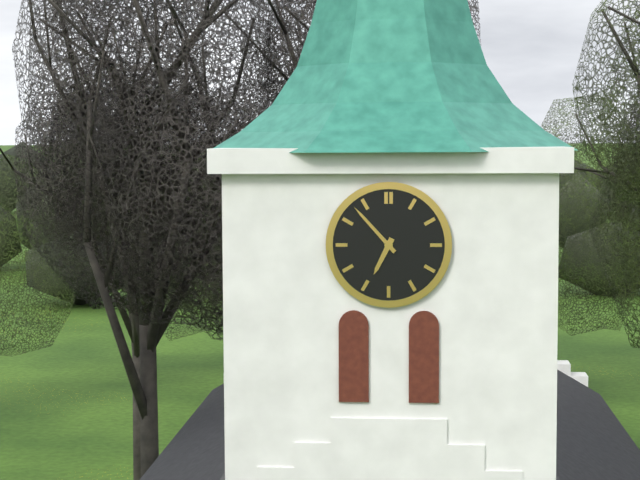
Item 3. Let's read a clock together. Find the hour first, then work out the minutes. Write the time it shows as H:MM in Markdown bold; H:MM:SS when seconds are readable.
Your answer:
**6:53**
